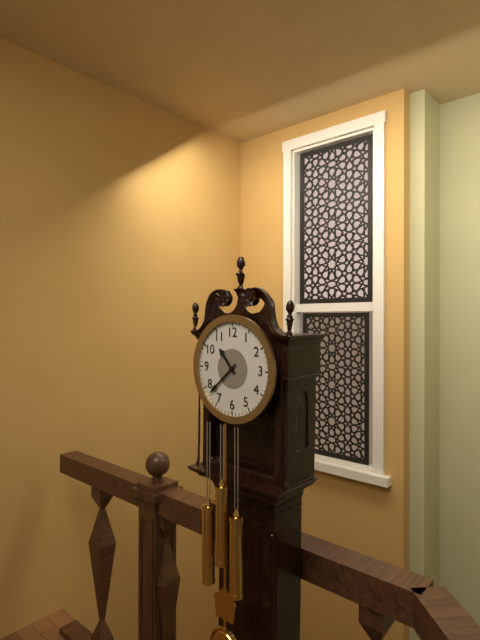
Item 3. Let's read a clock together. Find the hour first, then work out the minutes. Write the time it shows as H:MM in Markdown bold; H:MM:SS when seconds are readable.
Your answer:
**10:38**
